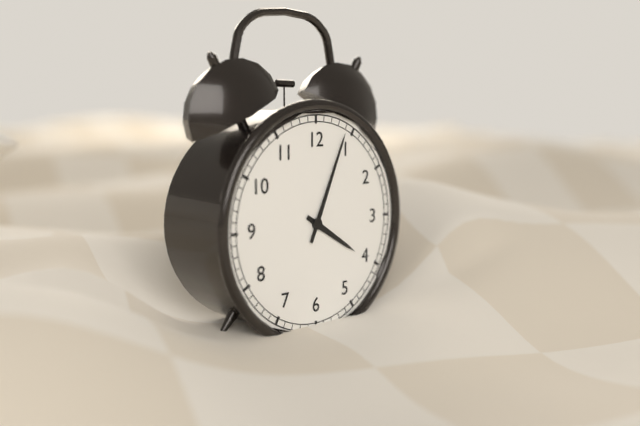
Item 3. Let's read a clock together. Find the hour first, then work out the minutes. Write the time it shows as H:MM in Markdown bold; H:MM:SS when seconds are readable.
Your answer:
**4:04**
